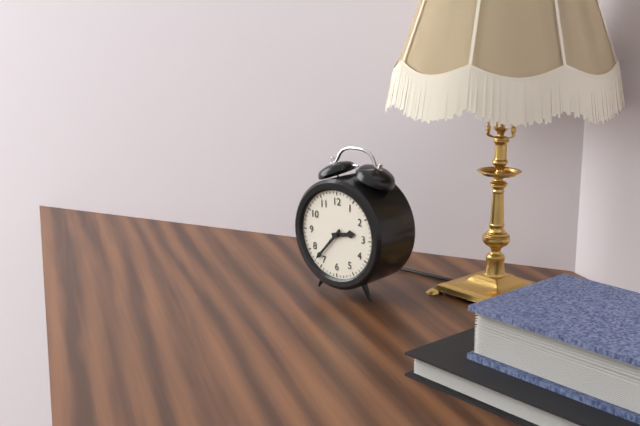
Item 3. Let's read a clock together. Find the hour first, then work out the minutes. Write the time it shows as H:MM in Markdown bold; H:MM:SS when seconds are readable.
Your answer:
**2:37**
